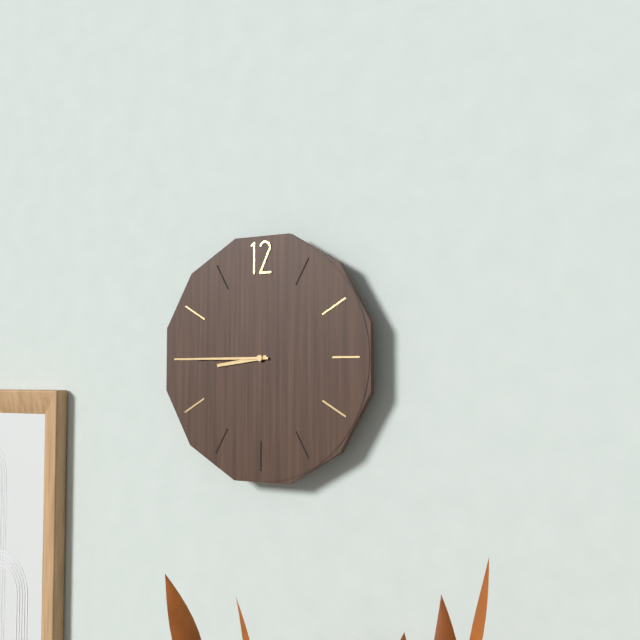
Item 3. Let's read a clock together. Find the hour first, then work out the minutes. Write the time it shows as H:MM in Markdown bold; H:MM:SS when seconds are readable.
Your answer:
**8:45**
